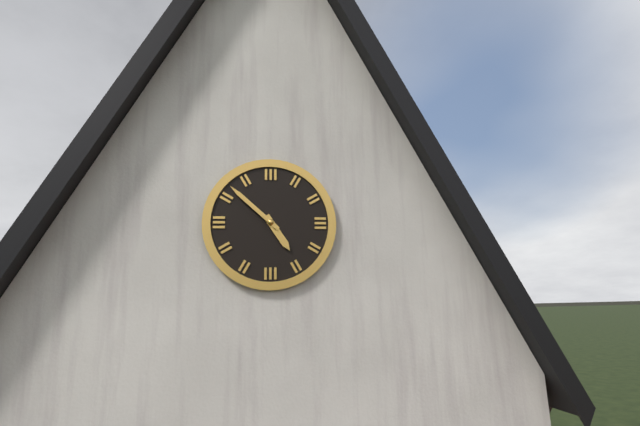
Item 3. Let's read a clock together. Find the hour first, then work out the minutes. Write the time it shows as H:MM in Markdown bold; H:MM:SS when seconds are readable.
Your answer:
**4:52**
